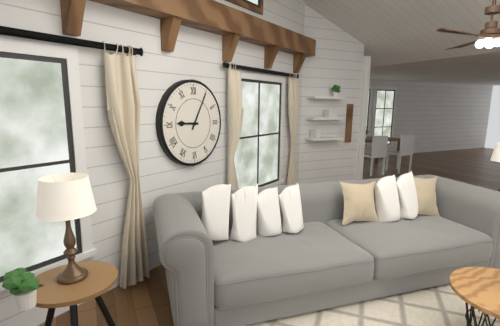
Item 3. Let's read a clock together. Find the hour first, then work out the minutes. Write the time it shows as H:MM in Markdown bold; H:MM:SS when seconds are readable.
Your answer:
**9:05**
